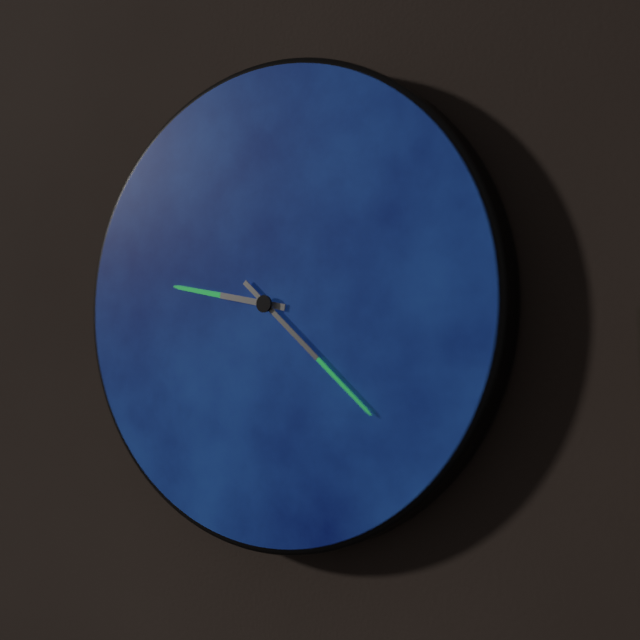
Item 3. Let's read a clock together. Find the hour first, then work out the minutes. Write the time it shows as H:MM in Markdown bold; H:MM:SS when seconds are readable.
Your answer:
**9:22**
